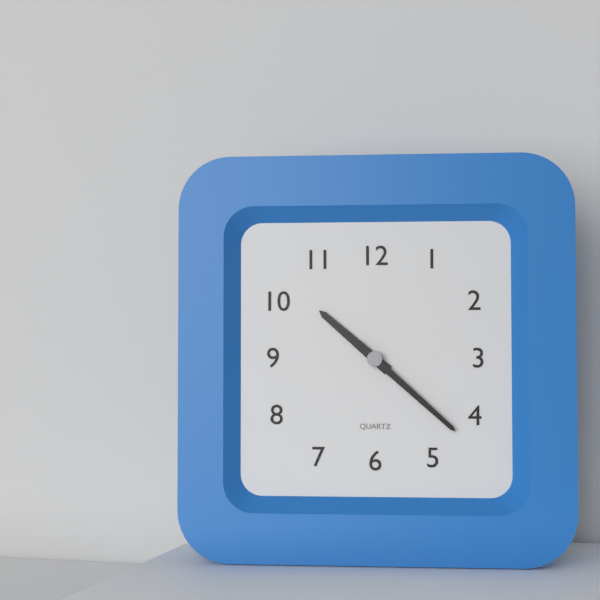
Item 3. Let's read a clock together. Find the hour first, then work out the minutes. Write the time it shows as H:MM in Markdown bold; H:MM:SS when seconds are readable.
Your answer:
**10:22**
